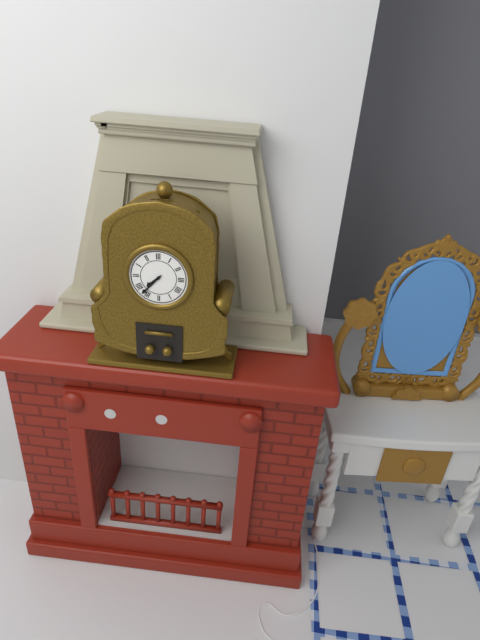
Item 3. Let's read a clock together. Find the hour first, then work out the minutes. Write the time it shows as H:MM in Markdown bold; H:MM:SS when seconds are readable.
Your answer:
**7:37**
